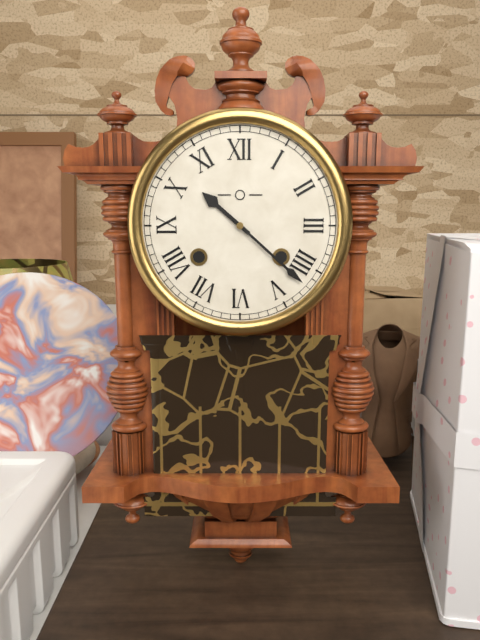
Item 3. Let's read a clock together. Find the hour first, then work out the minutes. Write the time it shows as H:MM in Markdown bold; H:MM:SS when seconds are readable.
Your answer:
**10:22**
